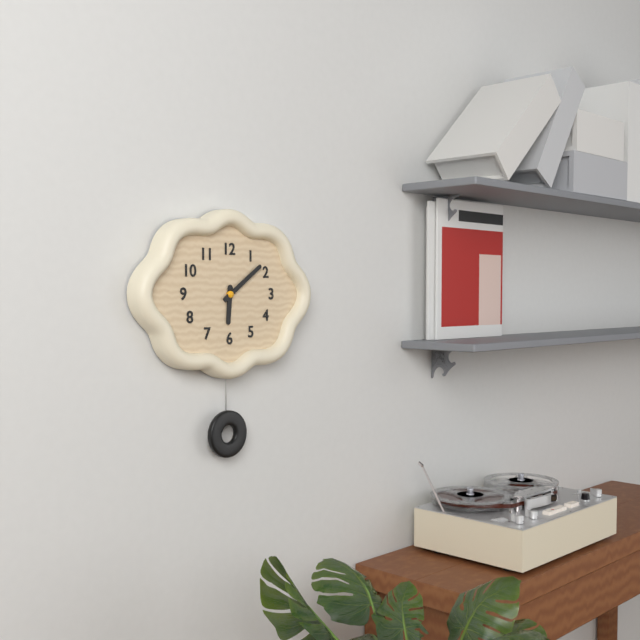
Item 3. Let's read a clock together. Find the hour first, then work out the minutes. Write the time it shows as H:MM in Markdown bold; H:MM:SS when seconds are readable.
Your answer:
**6:09**
